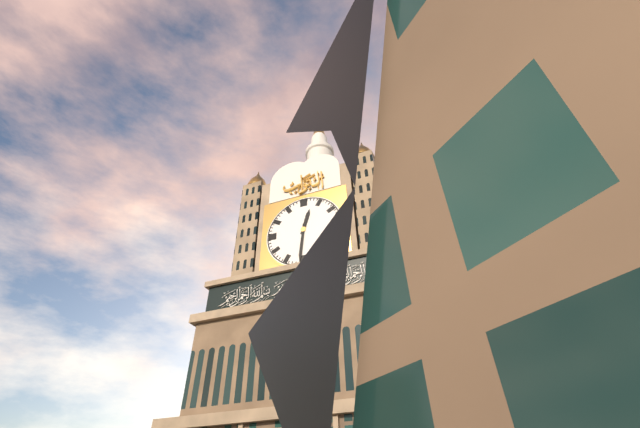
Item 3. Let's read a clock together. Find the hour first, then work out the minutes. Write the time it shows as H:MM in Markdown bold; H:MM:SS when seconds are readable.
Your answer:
**12:31**
